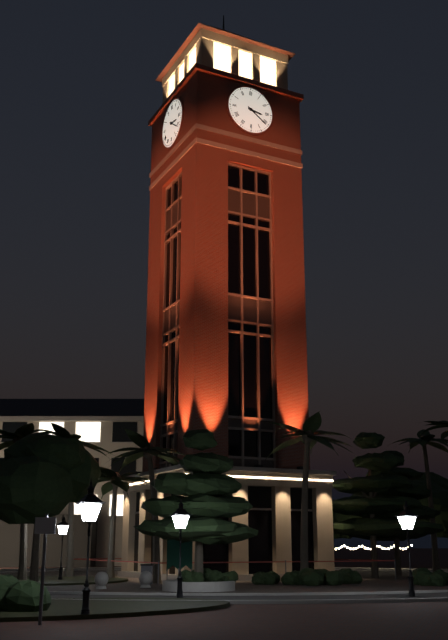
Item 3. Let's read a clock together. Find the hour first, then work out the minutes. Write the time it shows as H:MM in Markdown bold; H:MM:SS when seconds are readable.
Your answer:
**3:21**
